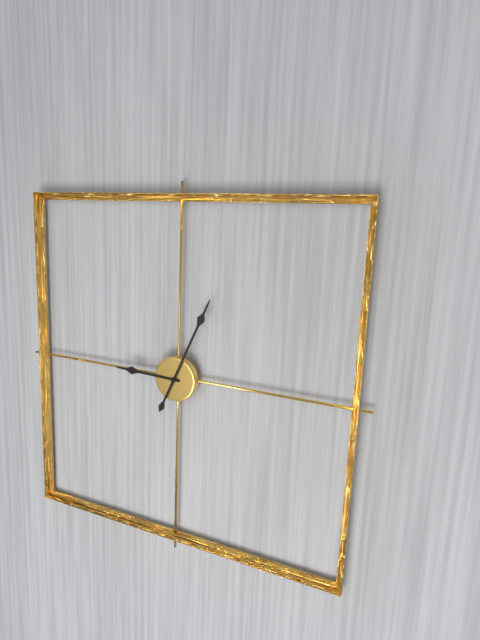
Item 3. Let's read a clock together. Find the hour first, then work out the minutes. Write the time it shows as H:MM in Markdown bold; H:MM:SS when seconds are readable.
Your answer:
**9:04**
